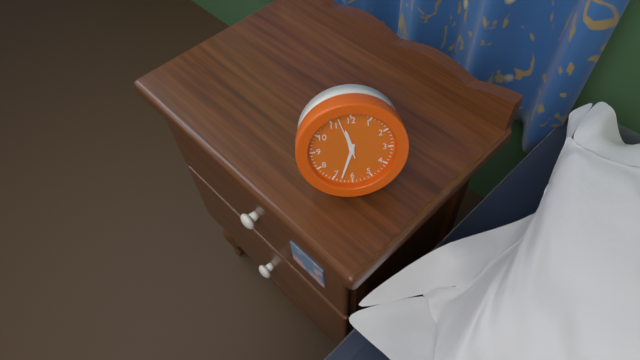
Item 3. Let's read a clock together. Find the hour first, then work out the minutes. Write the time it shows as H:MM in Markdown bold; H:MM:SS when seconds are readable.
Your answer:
**11:33**
